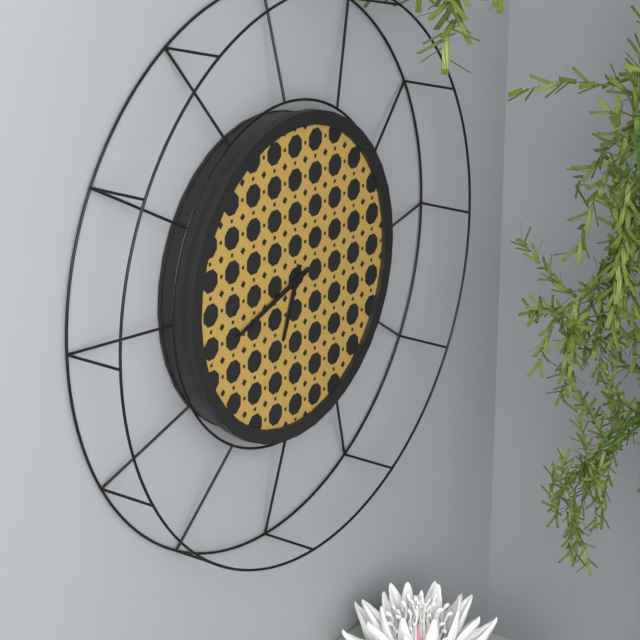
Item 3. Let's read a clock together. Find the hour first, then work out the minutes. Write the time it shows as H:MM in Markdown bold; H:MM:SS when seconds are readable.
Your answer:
**6:42**
